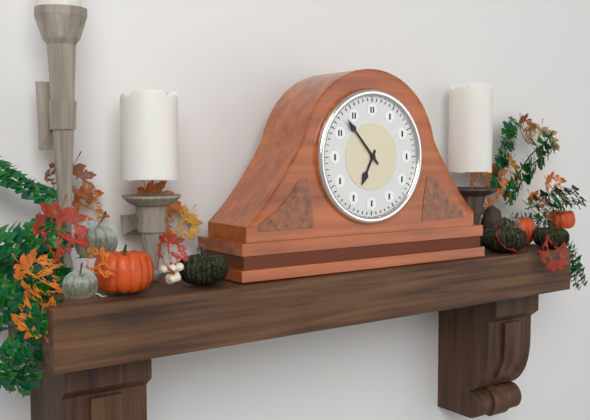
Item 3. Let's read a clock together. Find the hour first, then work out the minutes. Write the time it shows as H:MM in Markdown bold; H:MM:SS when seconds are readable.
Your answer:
**6:53**
